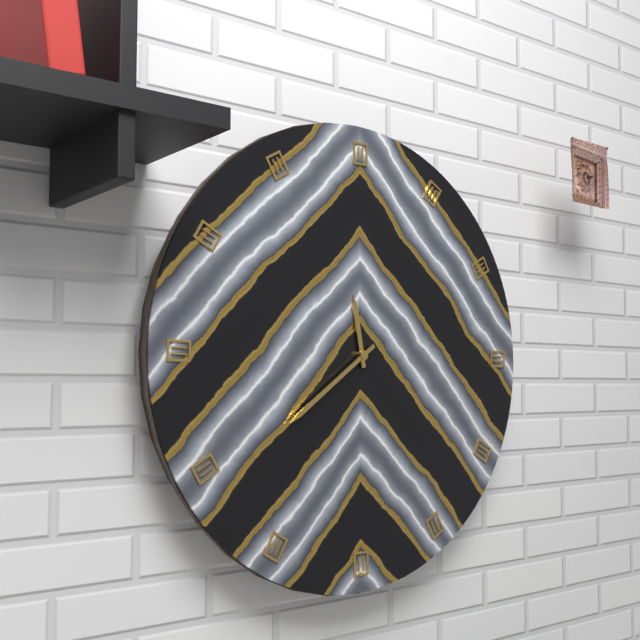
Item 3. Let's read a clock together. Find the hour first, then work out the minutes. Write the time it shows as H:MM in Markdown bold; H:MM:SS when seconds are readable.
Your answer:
**11:39**
